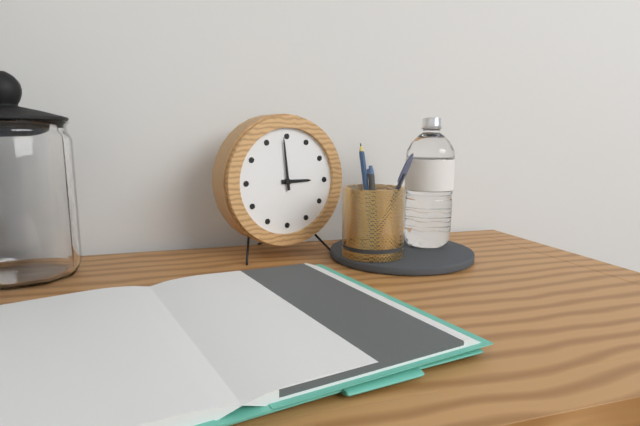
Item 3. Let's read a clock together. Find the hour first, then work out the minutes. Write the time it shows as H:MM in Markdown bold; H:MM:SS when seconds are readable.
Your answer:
**2:59**
